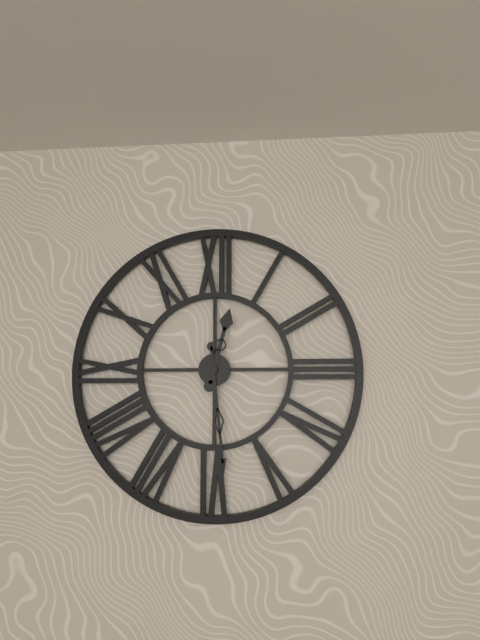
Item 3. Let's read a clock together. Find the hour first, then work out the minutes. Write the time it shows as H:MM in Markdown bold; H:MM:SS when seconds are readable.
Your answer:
**12:29**
